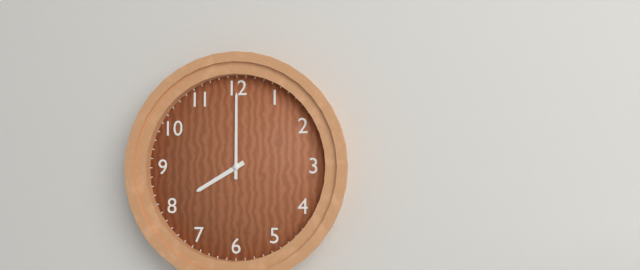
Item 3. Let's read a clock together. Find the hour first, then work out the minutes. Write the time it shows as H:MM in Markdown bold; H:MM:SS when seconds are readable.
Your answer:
**8:00**
